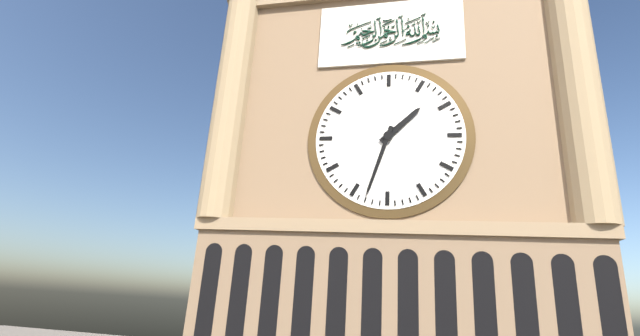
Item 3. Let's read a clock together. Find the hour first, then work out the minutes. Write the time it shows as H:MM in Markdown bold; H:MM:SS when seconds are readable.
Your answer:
**1:33**
